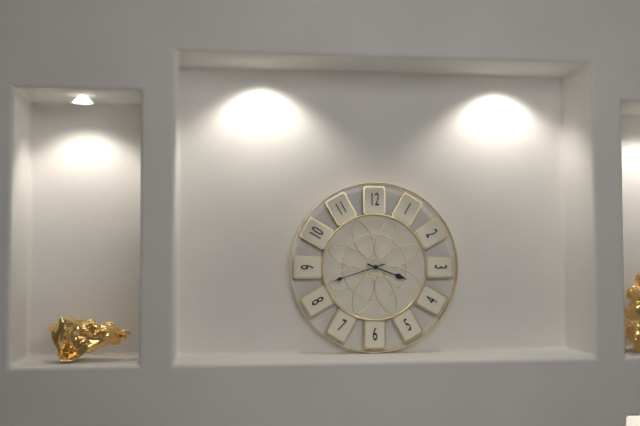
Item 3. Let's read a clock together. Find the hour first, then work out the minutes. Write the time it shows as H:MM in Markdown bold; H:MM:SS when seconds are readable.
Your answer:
**3:42**
